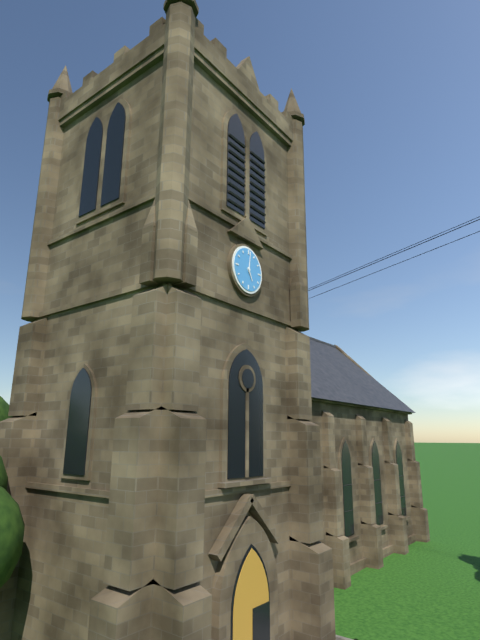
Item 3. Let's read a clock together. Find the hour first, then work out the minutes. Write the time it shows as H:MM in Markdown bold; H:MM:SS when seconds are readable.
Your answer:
**5:01**
